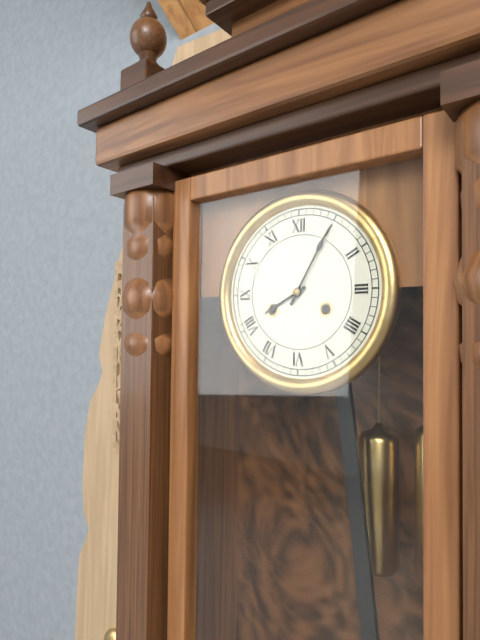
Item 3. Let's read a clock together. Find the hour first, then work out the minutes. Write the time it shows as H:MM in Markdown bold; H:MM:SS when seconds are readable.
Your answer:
**8:05**
